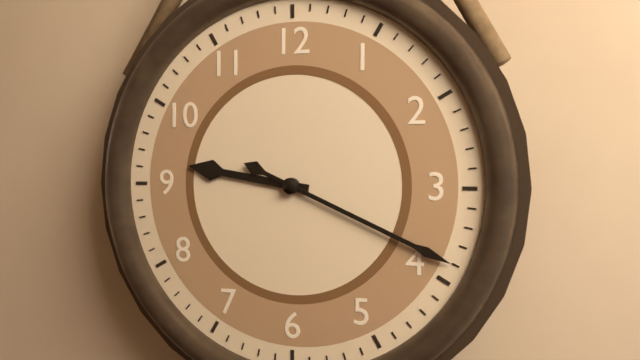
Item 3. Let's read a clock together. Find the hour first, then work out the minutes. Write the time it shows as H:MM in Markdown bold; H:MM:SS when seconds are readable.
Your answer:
**9:19**
